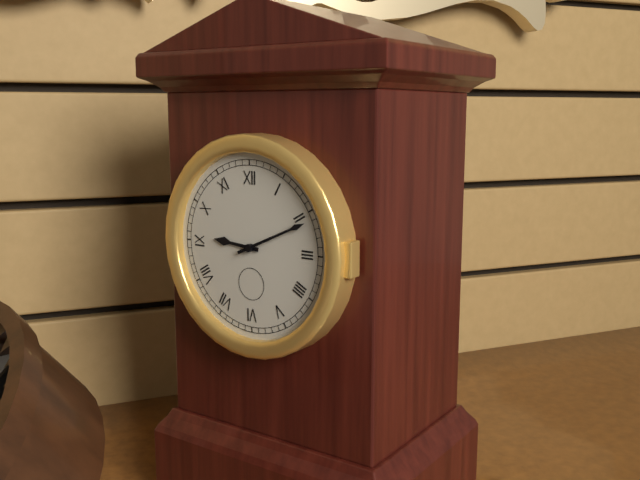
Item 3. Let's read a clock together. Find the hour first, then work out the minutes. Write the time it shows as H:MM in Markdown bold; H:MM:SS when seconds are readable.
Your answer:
**9:11**
